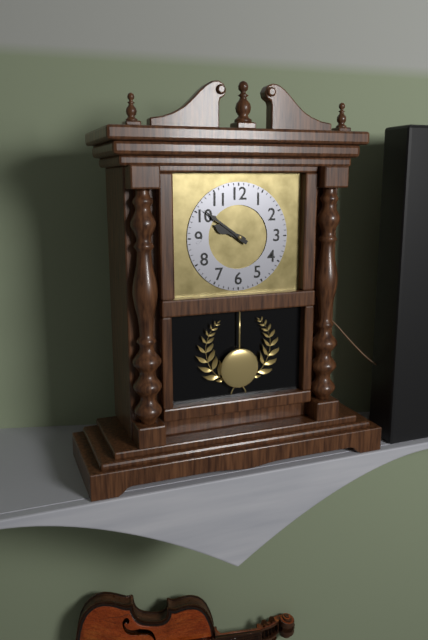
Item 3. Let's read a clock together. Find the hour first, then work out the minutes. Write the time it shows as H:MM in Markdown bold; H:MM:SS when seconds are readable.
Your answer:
**9:51**
